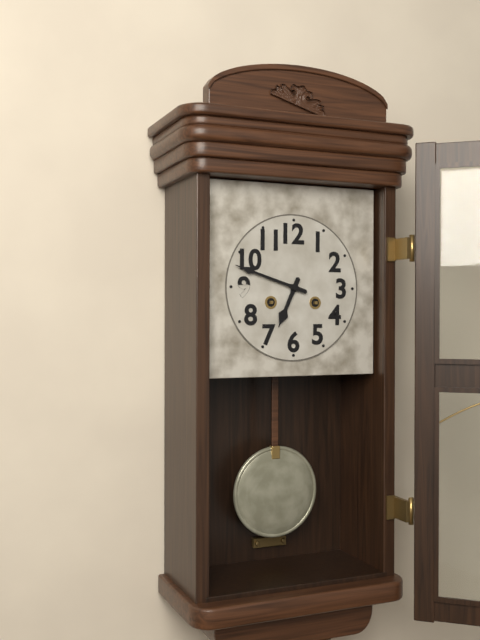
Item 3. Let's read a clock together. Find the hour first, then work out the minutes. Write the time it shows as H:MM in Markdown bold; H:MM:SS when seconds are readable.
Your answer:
**6:48**
